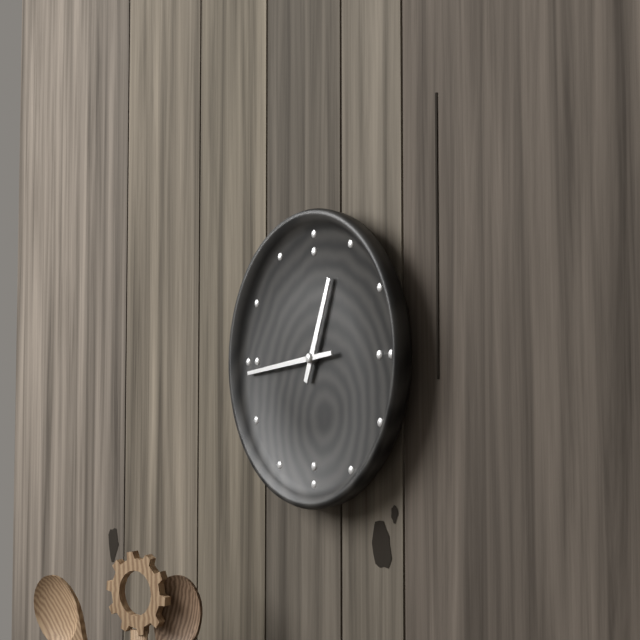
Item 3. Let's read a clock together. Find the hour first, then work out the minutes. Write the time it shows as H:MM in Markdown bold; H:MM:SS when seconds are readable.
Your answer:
**12:44**
